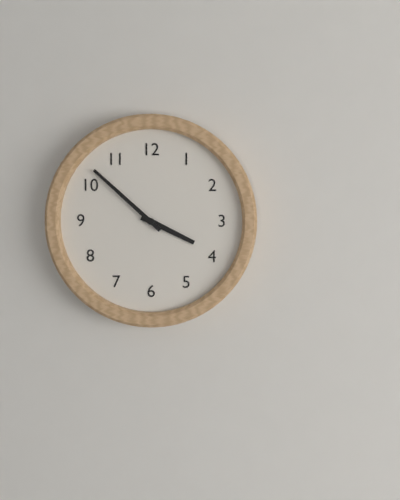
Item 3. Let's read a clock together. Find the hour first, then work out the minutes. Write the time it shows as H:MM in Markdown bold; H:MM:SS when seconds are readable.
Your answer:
**3:52**
